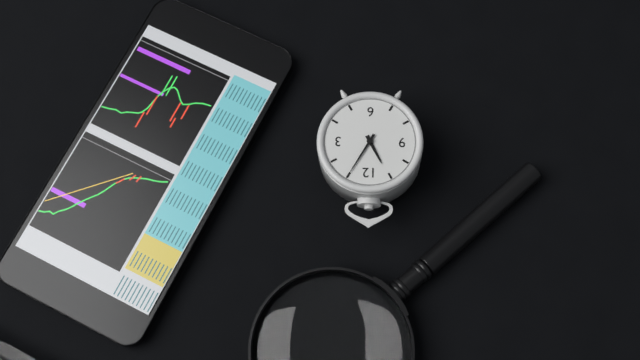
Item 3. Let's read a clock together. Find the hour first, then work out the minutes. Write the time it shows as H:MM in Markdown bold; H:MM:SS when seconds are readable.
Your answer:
**11:05**
